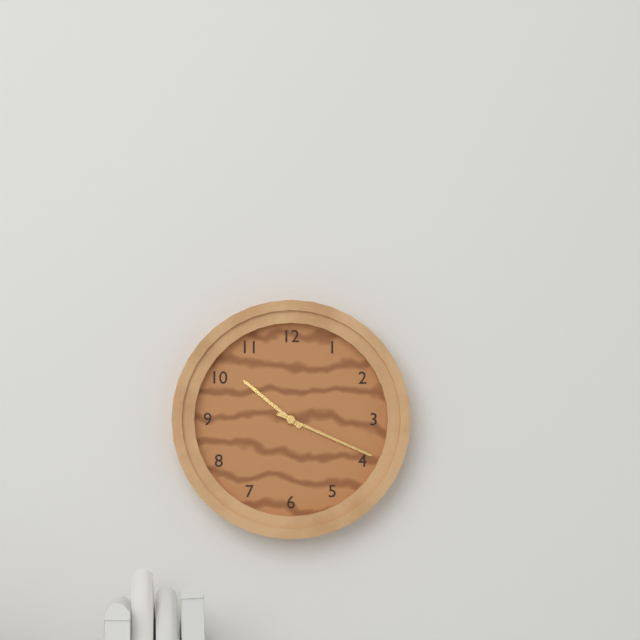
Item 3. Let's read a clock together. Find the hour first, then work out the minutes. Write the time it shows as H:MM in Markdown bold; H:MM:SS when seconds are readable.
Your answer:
**10:19**
